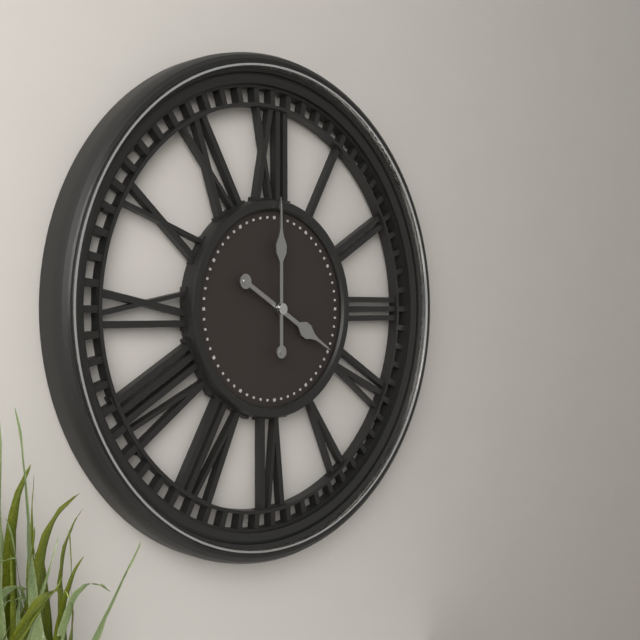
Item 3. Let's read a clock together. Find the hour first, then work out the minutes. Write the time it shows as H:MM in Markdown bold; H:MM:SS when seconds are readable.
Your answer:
**4:00**
